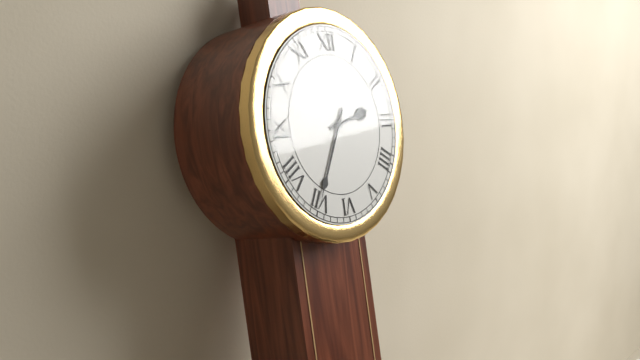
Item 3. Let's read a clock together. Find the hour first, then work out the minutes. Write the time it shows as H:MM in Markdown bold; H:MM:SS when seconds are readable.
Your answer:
**2:35**
